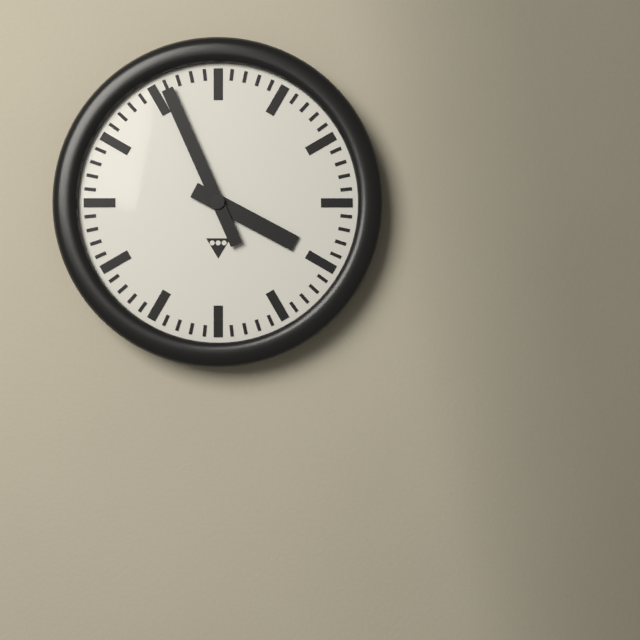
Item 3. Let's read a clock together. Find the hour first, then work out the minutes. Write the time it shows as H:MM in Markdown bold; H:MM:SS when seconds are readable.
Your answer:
**3:56**
